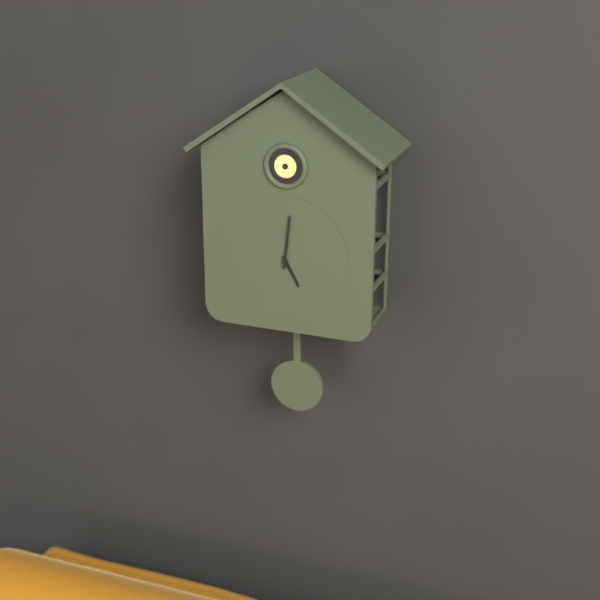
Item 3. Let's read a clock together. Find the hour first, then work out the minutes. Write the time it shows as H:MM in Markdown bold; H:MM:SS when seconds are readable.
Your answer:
**5:01**
